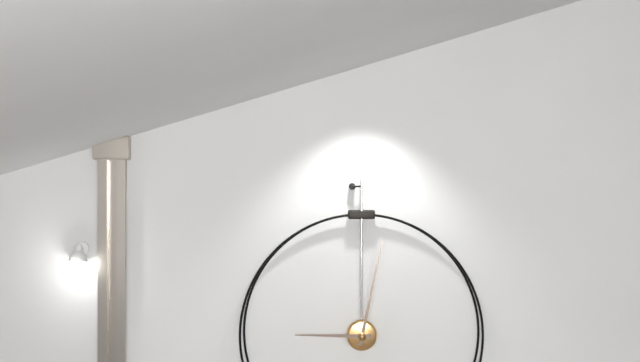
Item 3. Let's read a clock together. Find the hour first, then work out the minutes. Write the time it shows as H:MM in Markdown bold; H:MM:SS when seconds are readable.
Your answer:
**9:02**
